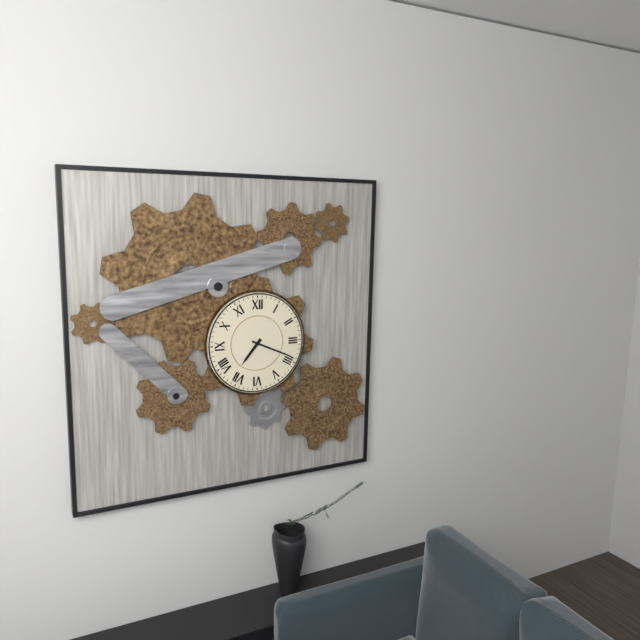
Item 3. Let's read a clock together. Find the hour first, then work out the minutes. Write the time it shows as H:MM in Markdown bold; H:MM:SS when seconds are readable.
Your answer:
**7:19**
